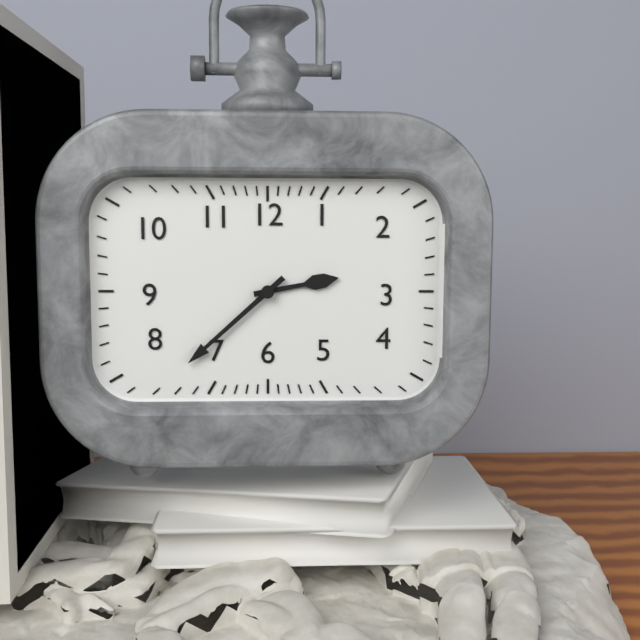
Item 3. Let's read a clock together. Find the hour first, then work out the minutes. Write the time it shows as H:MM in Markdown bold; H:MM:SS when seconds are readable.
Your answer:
**2:38**
